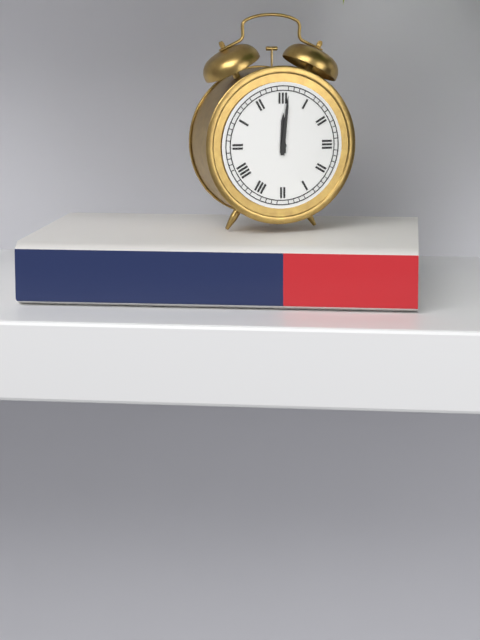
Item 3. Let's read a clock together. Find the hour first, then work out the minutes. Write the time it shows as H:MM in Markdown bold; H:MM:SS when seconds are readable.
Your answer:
**12:01**
